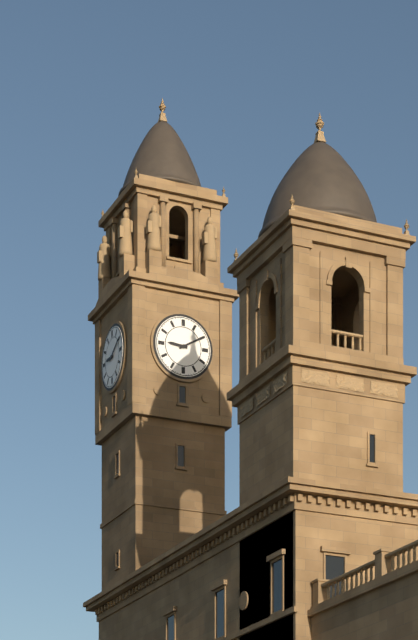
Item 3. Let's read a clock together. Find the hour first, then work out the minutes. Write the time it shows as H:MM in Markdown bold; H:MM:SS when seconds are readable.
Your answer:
**9:10**
